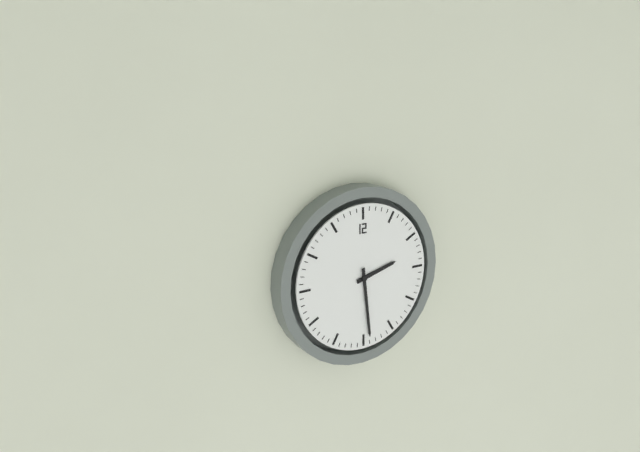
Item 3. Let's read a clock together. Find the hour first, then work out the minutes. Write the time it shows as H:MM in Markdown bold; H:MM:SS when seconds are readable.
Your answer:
**2:29**
